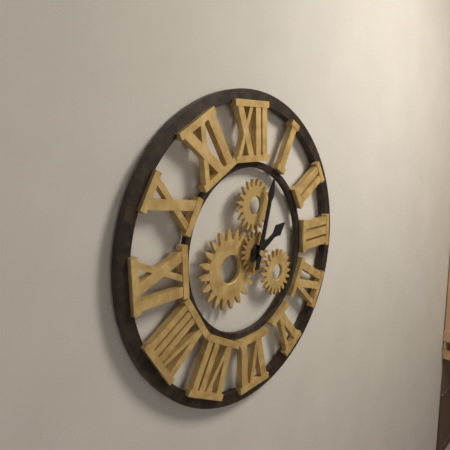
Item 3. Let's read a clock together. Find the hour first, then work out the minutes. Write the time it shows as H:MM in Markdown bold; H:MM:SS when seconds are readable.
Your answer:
**2:03**
